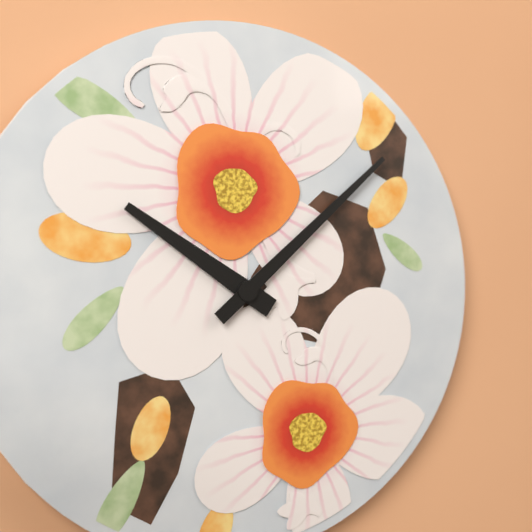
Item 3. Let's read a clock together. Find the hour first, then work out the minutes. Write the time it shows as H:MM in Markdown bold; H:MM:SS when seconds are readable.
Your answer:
**10:08**
